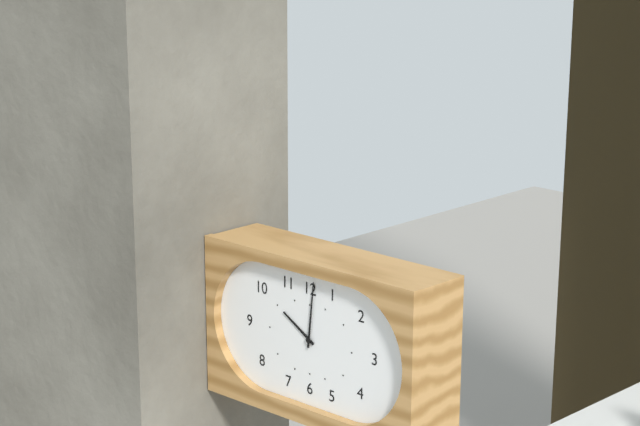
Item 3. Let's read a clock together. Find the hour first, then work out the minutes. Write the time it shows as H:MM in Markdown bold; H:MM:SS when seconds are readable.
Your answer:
**10:01**
